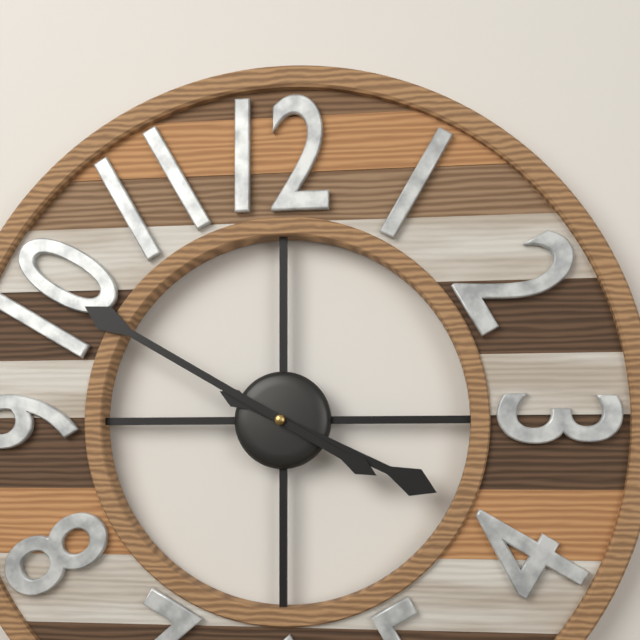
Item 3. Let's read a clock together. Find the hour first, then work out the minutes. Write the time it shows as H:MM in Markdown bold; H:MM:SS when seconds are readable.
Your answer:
**3:50**
